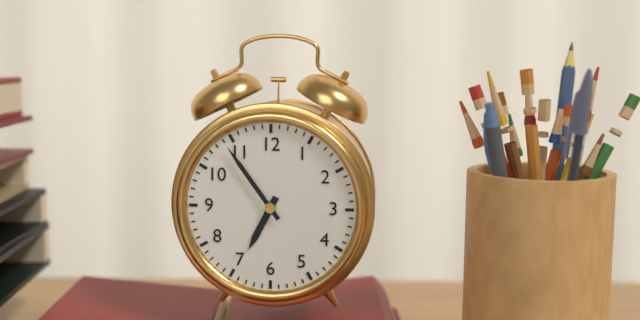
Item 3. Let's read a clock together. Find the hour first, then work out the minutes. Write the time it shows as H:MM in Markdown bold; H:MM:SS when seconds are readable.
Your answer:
**6:54**
